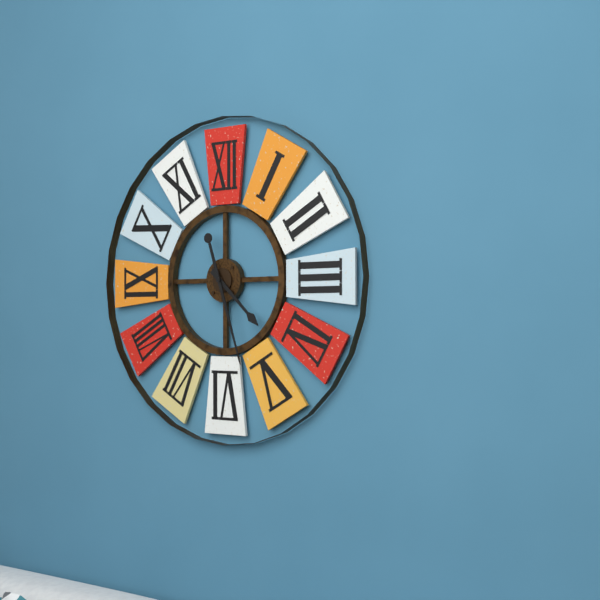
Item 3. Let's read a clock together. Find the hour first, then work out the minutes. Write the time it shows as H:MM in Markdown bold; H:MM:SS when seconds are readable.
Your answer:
**4:27**
